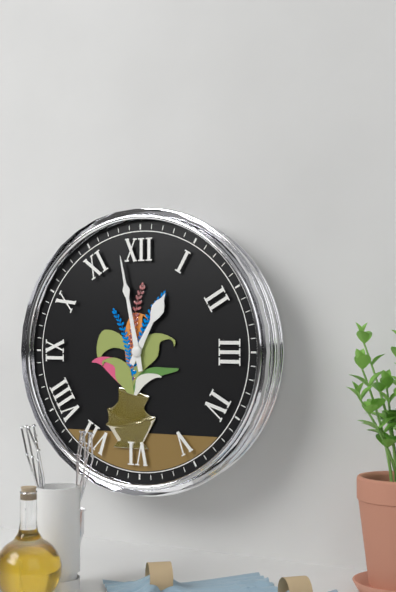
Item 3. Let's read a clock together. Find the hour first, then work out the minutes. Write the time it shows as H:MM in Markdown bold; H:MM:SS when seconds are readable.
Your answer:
**12:58**
